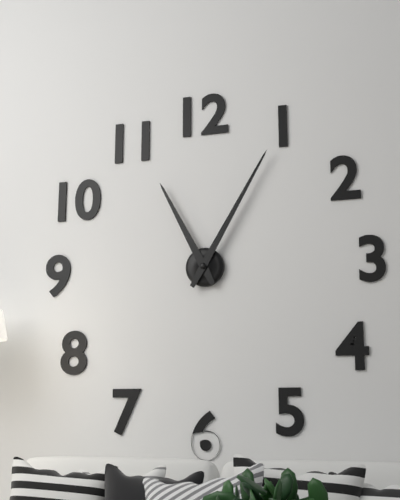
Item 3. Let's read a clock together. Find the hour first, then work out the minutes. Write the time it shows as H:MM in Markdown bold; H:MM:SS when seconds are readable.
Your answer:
**11:05**
